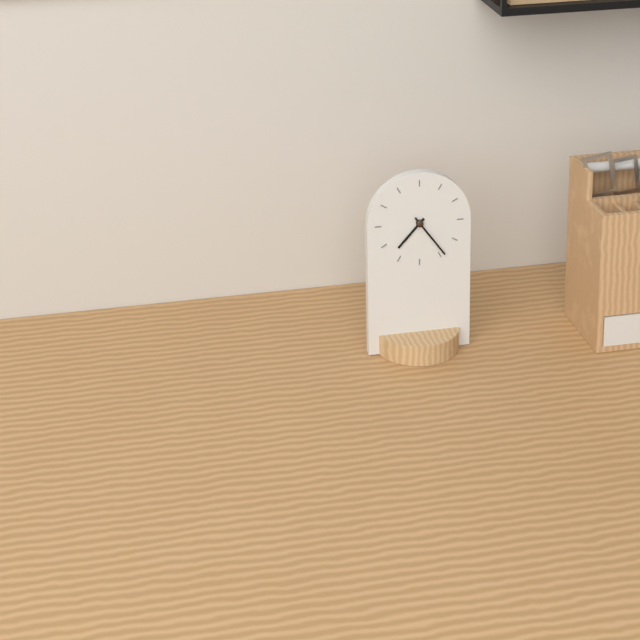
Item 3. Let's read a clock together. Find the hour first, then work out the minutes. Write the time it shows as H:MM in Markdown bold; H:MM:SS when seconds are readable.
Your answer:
**7:24**
